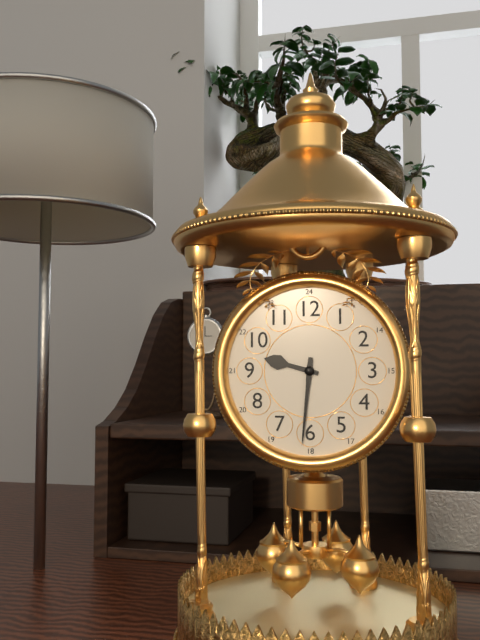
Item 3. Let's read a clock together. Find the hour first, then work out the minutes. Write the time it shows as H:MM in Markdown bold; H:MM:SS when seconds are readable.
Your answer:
**9:31**
